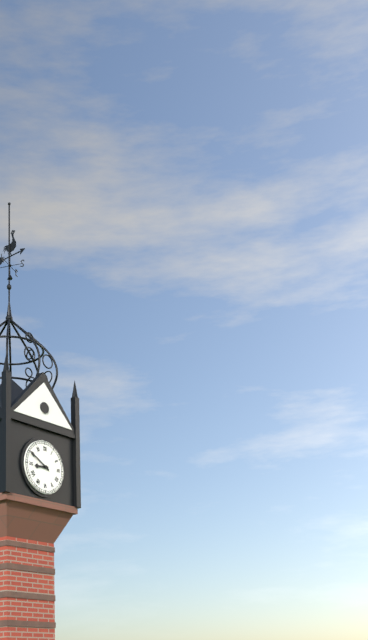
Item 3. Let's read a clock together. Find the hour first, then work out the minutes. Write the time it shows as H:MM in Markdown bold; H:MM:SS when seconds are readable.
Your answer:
**8:50**
